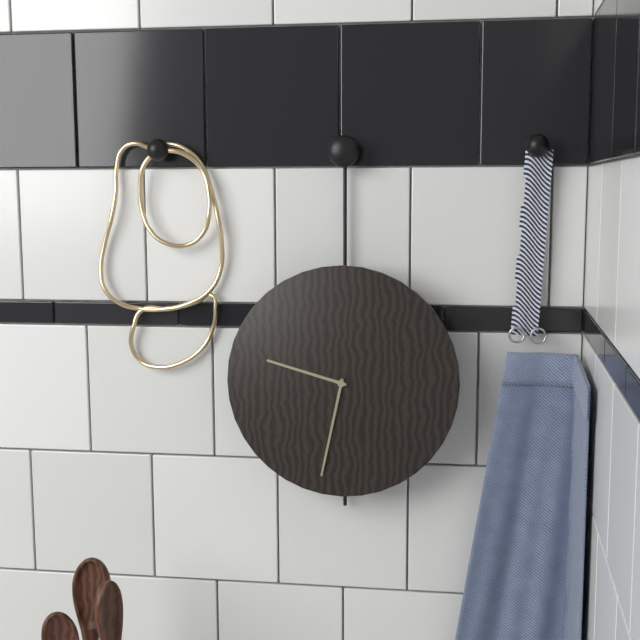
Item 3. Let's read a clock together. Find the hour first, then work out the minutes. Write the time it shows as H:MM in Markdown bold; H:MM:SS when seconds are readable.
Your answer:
**9:32**
